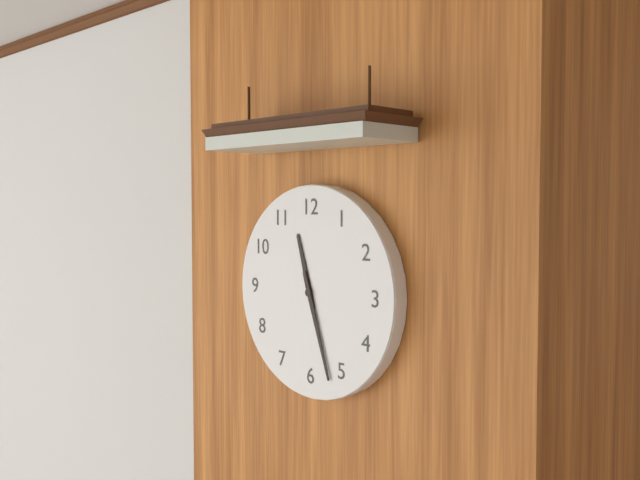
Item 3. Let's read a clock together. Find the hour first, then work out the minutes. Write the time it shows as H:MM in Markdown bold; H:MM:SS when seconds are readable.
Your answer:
**11:27**
